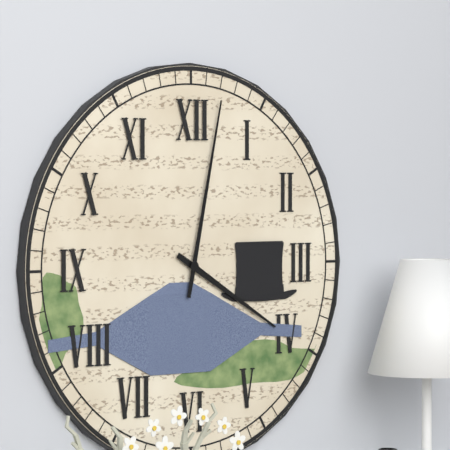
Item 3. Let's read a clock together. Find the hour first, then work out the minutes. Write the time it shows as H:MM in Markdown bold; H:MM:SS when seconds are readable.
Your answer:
**4:02**
